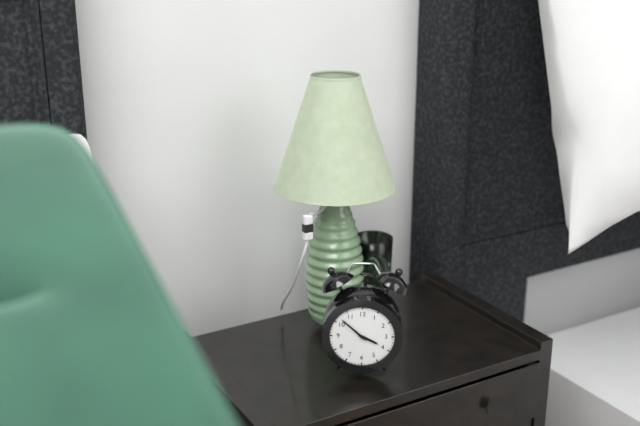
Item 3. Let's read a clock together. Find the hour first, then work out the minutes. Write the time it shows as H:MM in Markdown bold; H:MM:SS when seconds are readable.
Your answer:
**3:52**
